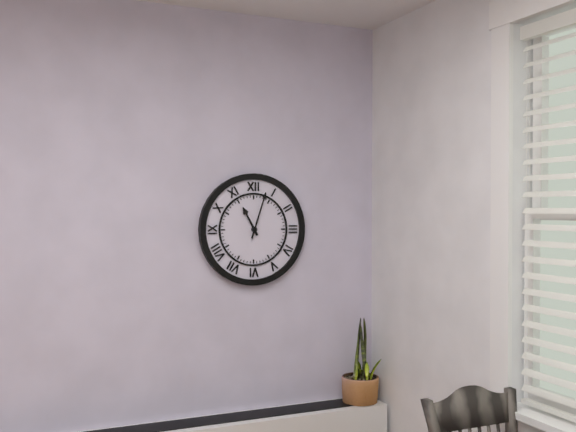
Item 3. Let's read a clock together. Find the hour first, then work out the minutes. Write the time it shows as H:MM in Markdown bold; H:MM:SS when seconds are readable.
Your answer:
**11:03**
